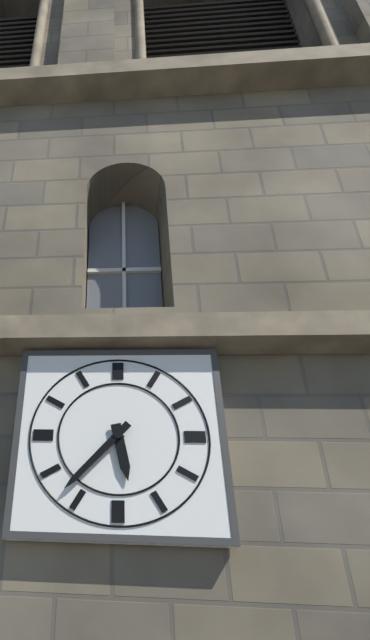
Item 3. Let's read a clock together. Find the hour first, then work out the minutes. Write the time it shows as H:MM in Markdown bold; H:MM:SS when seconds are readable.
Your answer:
**5:37**
